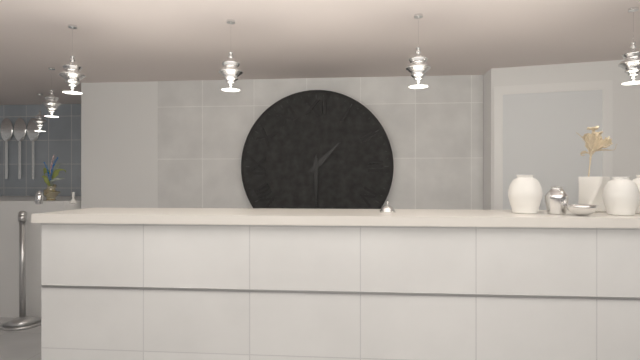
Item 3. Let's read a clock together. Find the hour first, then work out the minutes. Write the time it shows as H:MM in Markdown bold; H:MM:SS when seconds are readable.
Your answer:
**1:30**
